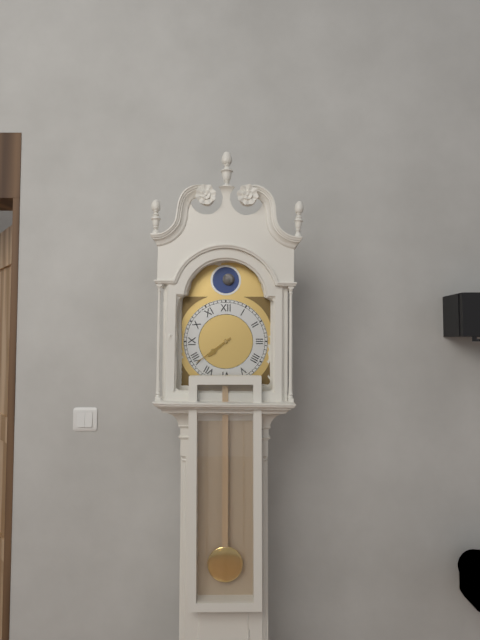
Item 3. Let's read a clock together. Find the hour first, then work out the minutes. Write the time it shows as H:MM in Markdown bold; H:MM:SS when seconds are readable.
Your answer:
**7:39**
